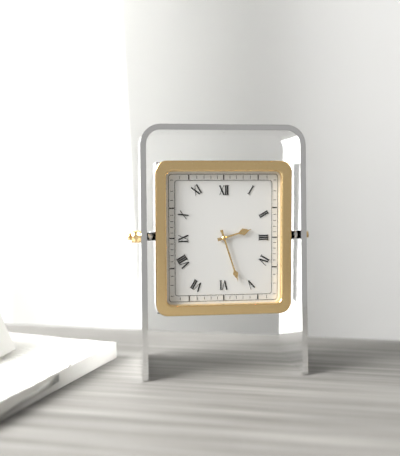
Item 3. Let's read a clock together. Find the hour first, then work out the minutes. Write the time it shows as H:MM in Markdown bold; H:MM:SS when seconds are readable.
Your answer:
**2:27**
